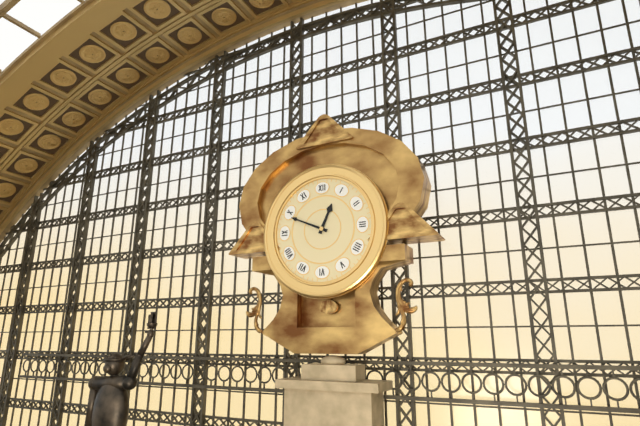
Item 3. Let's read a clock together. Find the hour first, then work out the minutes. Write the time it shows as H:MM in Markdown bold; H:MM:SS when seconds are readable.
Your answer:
**12:49**
